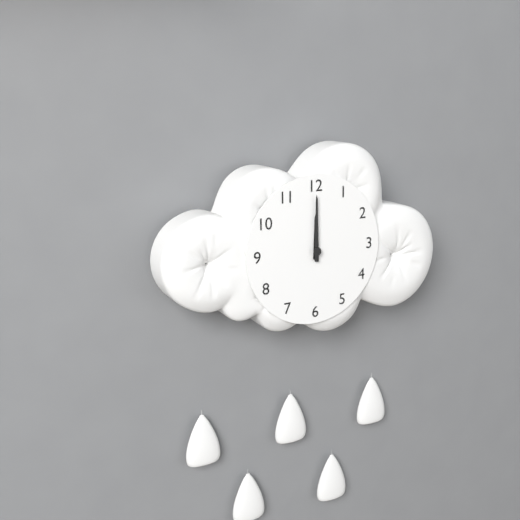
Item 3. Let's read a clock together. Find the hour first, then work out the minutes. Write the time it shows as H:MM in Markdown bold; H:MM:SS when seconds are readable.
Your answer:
**12:00**
